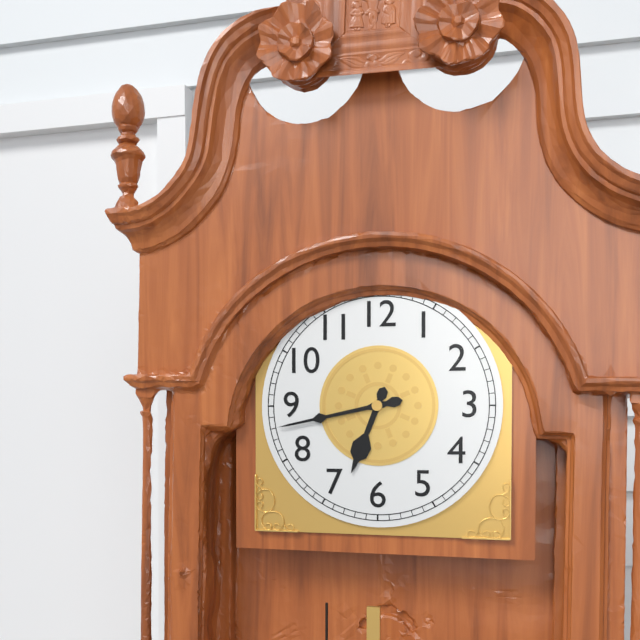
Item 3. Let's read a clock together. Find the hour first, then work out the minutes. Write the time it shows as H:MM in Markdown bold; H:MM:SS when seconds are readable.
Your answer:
**6:43**
